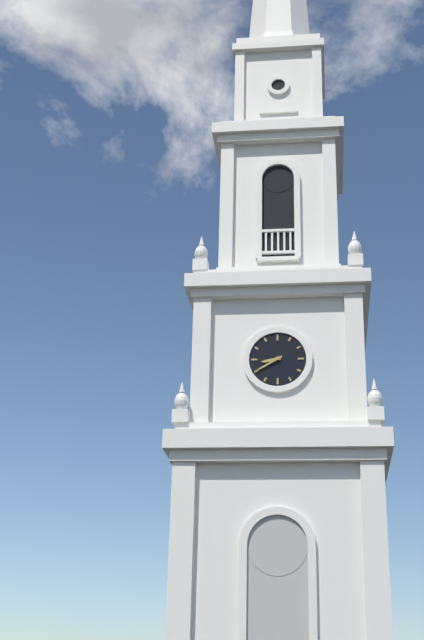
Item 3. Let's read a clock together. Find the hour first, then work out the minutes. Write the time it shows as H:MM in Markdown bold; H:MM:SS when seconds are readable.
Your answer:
**8:40**
